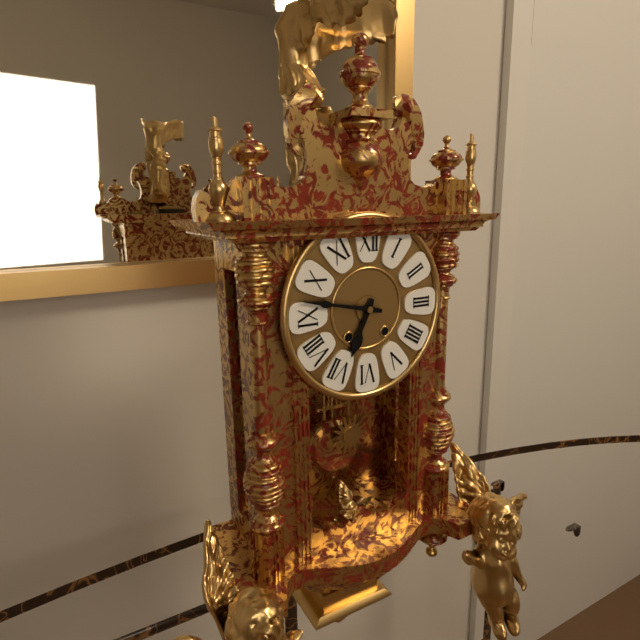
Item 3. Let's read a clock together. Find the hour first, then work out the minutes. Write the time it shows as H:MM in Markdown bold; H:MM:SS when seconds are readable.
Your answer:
**6:47**
